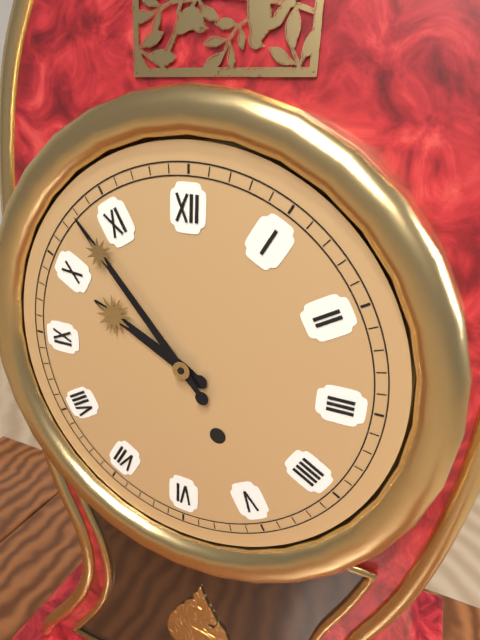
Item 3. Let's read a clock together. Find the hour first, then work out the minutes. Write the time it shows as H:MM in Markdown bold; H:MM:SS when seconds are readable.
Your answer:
**9:53**
